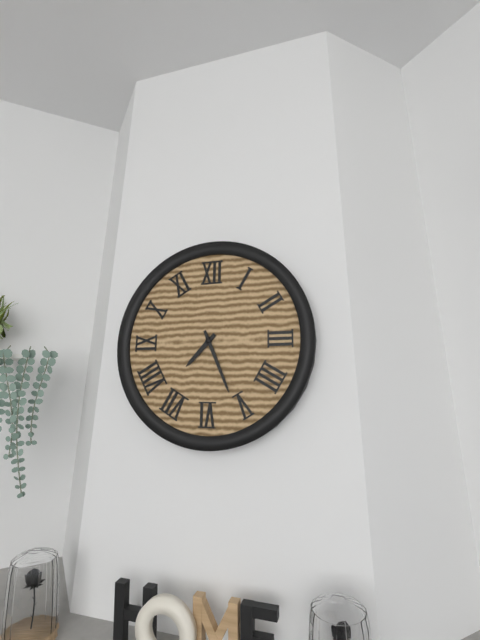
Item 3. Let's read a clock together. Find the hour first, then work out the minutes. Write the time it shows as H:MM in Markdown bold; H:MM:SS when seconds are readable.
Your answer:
**7:26**
